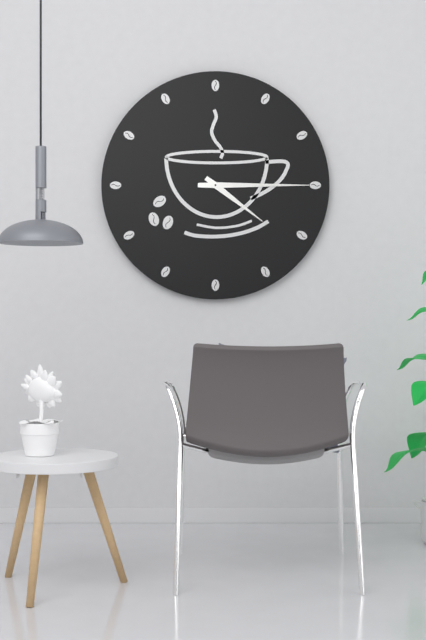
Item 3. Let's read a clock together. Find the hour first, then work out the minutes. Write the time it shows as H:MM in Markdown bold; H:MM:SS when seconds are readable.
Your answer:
**4:15**
